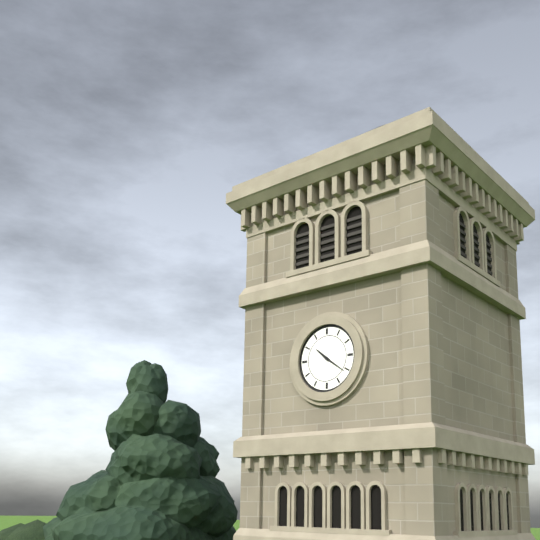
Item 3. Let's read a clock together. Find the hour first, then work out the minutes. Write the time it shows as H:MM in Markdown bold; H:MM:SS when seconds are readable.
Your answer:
**10:21**
